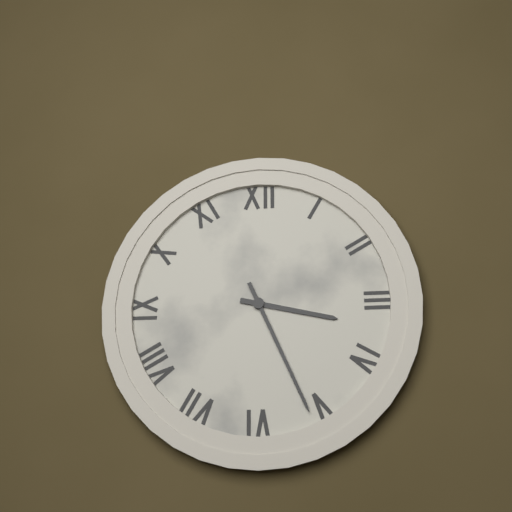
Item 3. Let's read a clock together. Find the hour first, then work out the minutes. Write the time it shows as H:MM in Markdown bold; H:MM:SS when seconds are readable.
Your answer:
**3:26**
